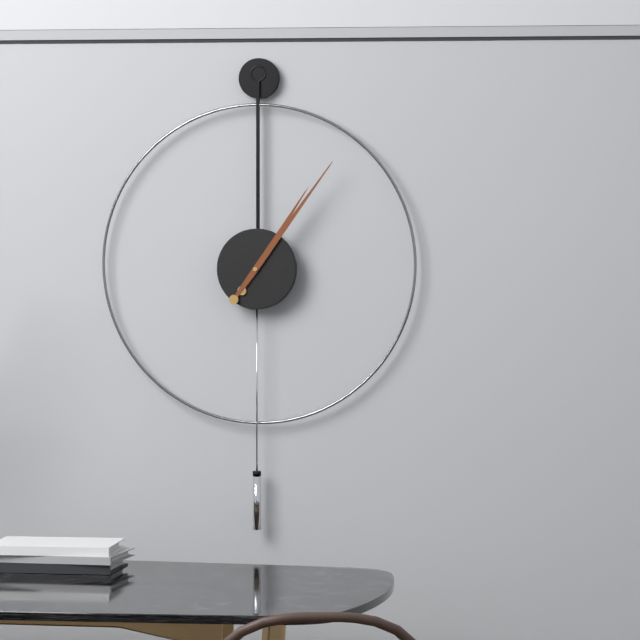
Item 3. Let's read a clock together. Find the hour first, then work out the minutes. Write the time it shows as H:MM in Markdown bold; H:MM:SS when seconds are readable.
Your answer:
**1:06**
